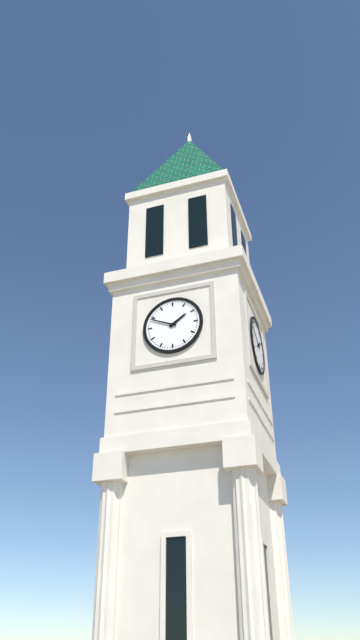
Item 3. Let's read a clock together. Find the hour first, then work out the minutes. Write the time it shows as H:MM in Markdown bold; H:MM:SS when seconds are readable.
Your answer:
**1:49**
